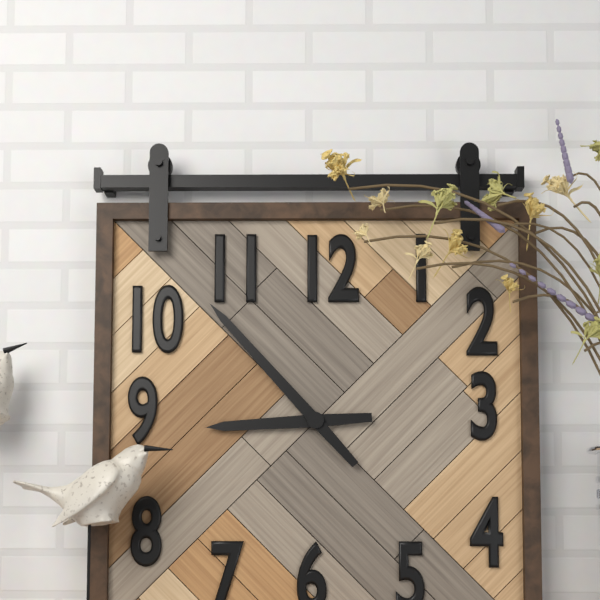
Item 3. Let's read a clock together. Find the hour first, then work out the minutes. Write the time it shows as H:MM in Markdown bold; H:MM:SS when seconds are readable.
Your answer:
**8:53**
